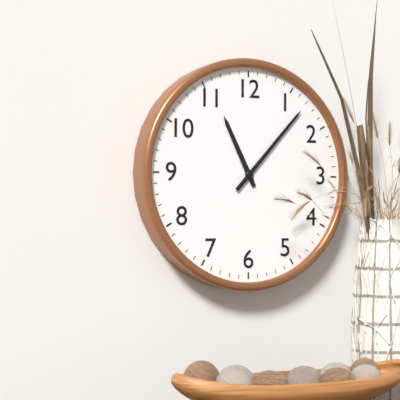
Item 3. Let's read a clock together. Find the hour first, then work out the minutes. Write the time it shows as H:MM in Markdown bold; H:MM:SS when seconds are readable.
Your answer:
**11:07**
